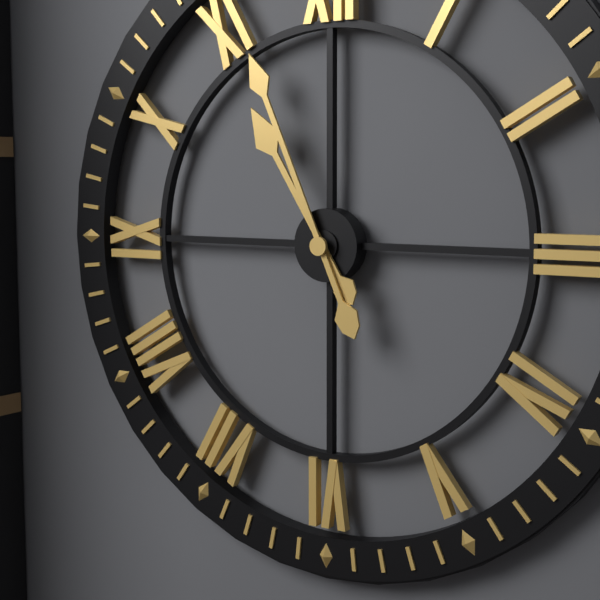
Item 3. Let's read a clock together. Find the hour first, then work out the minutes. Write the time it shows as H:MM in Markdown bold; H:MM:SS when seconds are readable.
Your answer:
**10:56**
